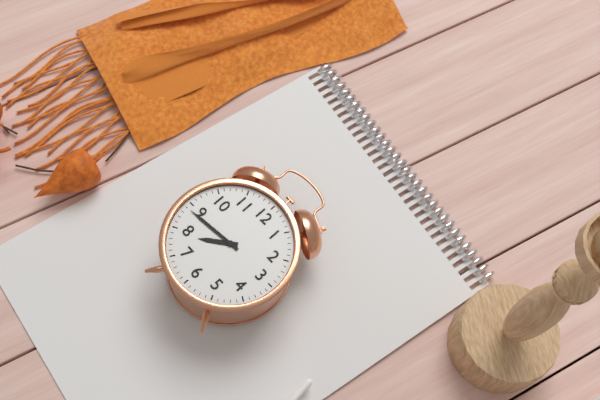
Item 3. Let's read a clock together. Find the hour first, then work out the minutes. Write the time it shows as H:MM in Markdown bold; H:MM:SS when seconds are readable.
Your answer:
**7:44**
